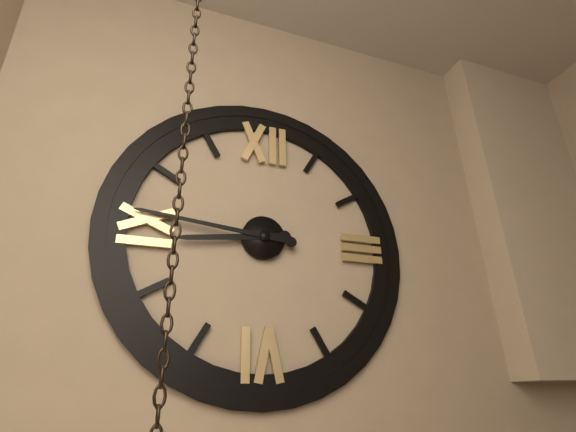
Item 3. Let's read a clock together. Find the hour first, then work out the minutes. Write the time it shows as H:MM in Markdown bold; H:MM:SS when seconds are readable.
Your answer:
**8:46**
